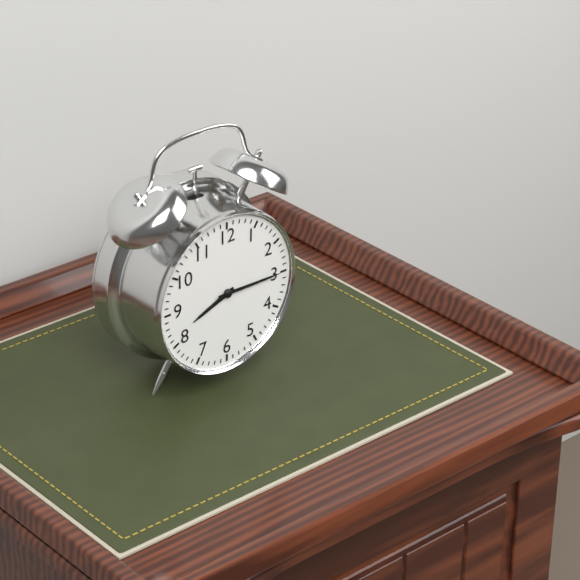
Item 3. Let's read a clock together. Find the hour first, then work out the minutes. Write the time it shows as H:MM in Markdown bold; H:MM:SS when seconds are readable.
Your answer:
**8:15**
